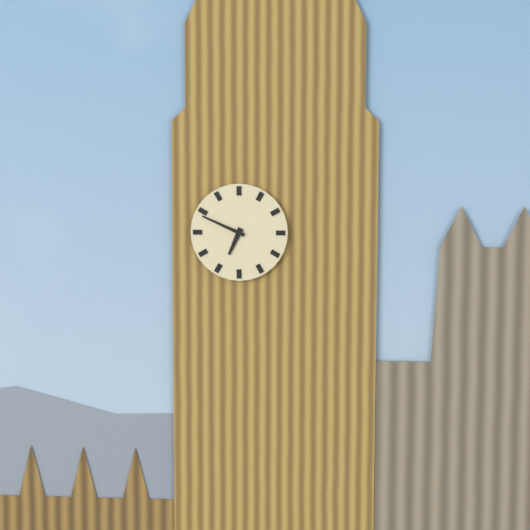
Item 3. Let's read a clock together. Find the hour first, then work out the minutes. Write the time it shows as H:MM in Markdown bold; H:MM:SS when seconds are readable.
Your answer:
**6:49**
